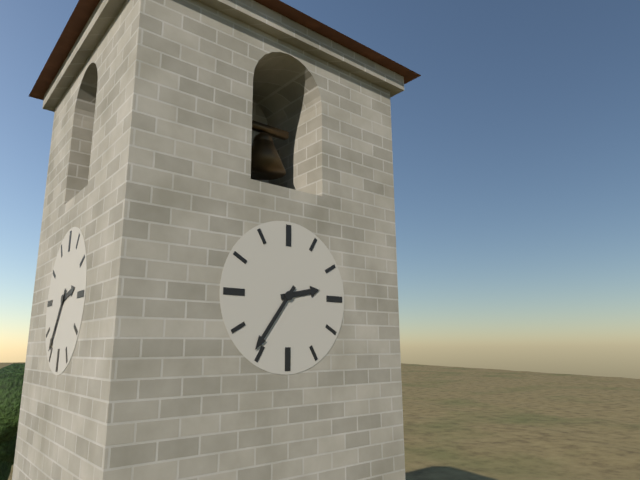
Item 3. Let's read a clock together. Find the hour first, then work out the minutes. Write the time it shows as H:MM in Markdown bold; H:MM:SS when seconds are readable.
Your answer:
**2:36**
